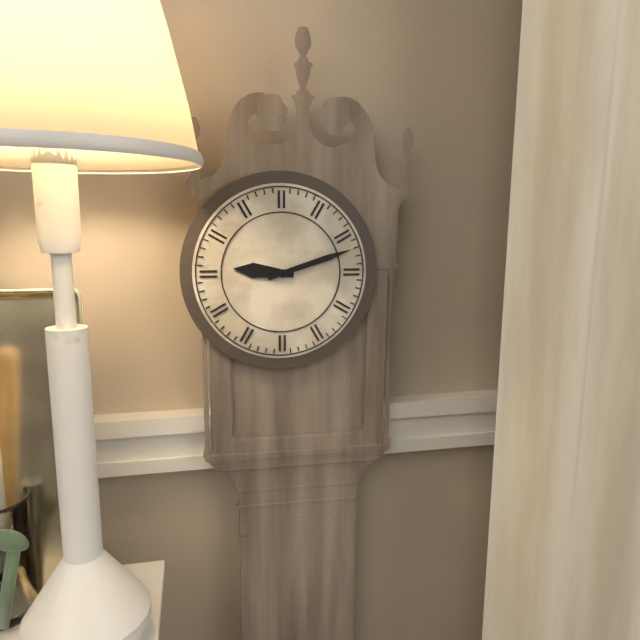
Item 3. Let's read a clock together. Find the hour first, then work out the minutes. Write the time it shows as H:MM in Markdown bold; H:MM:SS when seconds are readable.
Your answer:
**9:12**
